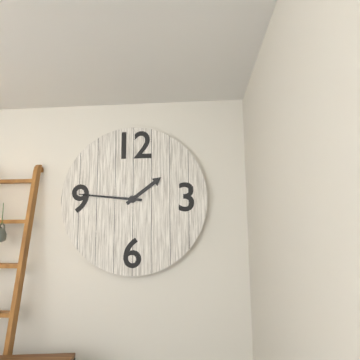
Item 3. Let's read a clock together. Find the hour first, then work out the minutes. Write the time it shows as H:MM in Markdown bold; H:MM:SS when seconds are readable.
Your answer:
**1:46**
